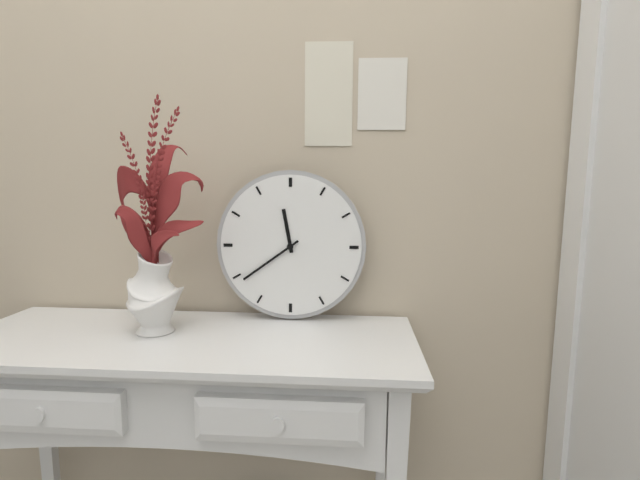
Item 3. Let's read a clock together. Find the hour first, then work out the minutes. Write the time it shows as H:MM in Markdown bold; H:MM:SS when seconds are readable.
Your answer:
**11:39**
